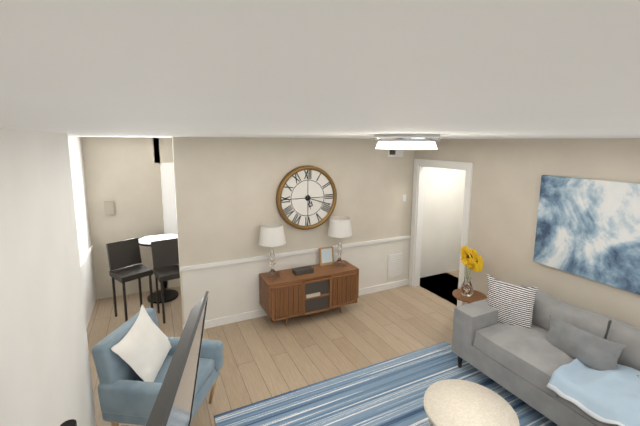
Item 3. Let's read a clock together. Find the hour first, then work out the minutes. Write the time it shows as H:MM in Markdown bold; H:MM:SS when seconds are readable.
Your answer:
**5:18**
